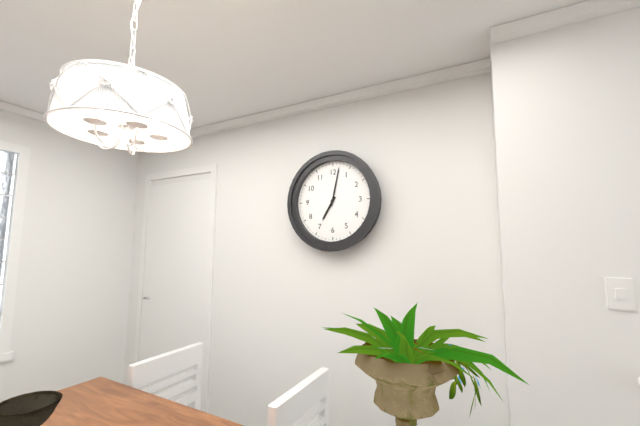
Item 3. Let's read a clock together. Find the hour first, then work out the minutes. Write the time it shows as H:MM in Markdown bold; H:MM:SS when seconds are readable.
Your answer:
**7:02**
